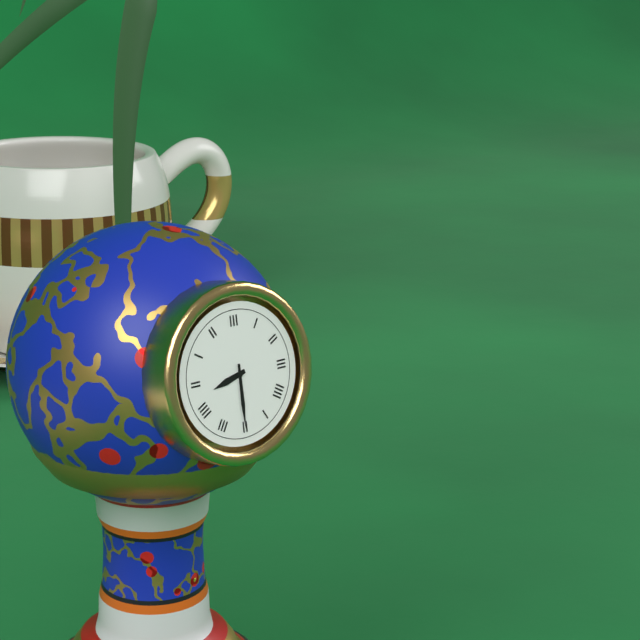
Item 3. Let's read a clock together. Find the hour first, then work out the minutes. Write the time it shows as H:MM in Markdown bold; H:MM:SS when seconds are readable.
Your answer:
**8:30**
